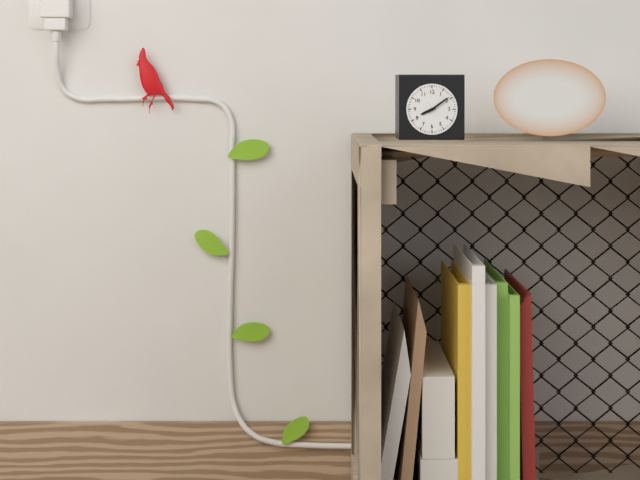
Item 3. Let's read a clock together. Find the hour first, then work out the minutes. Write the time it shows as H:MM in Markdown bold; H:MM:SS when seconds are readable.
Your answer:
**8:09**
